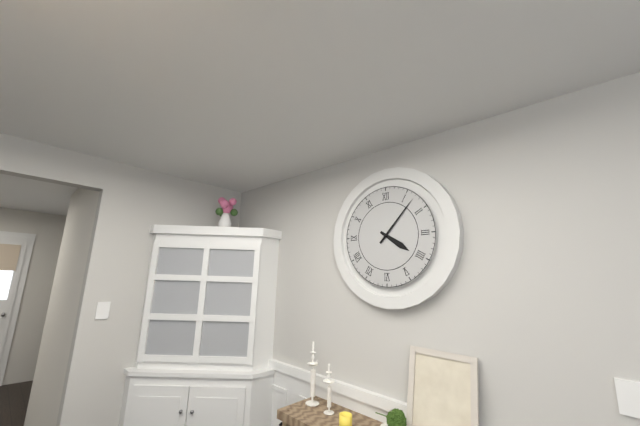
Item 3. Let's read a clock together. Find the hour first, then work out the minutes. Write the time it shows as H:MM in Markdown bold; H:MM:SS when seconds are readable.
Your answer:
**4:07**
